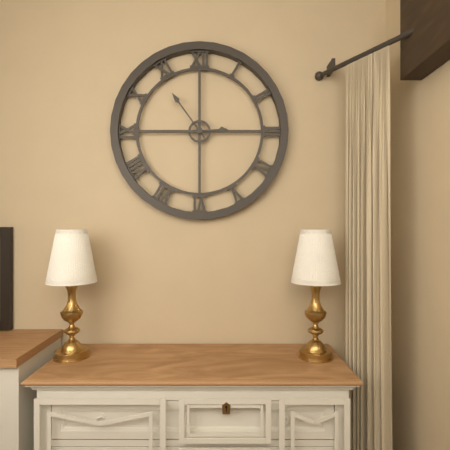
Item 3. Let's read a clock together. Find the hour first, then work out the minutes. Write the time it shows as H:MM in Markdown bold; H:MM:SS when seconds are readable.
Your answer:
**2:54**
